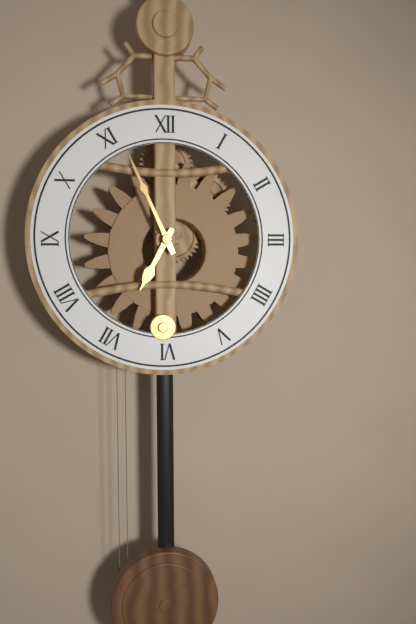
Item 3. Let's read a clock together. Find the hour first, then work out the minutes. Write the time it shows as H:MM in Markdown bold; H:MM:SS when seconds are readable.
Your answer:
**6:56**
